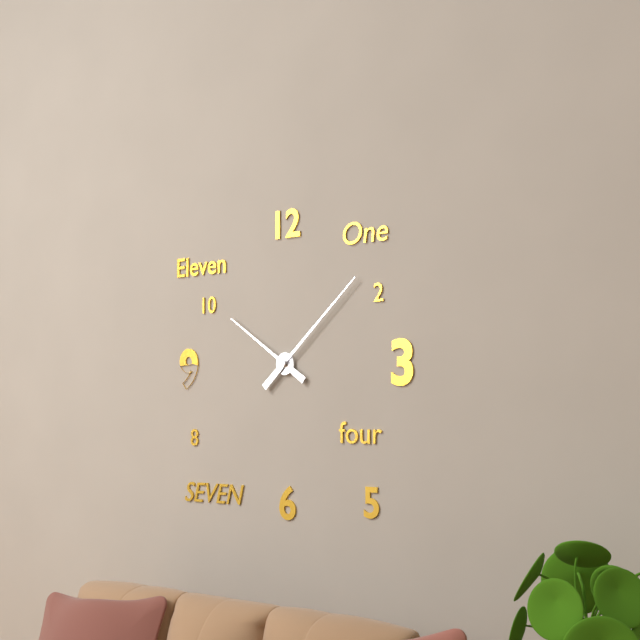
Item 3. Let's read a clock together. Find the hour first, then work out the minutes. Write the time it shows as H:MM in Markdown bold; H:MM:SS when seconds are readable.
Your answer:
**10:08**
